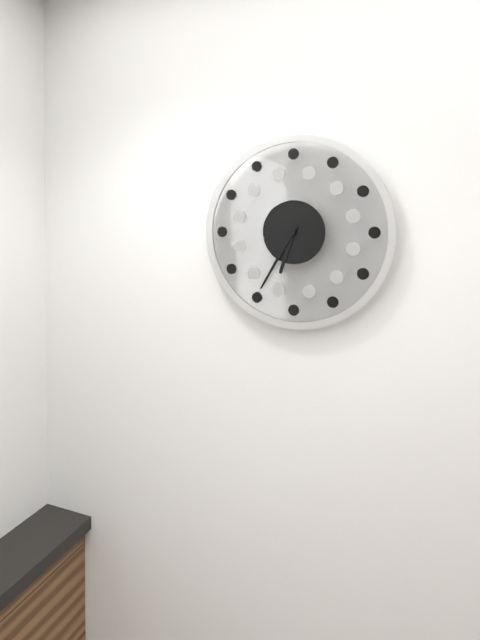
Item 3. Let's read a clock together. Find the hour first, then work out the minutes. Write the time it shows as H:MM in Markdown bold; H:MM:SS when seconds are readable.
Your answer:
**6:35**
